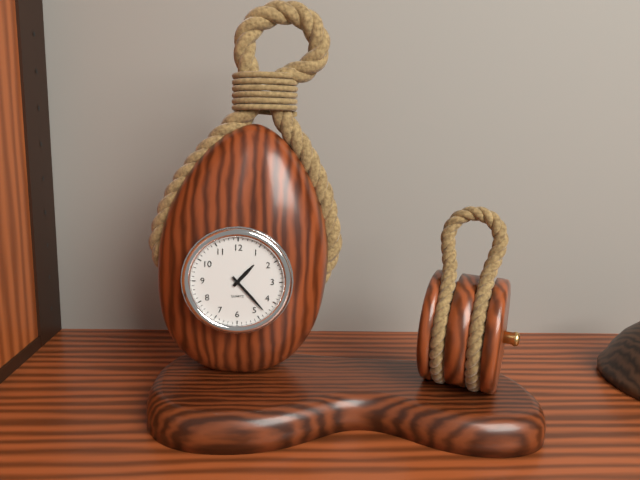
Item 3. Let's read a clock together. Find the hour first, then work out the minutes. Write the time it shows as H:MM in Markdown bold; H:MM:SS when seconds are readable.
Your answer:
**1:23**
